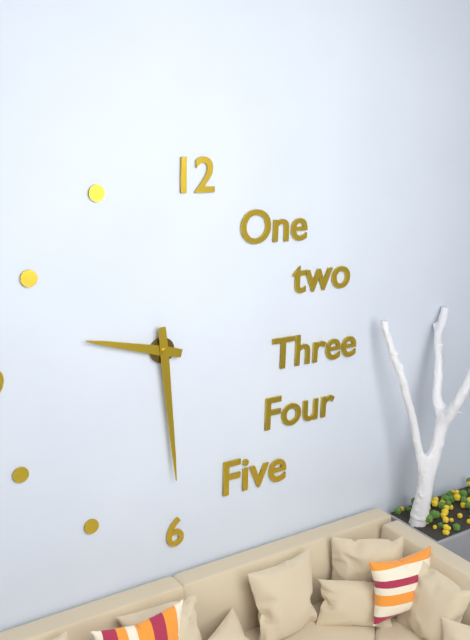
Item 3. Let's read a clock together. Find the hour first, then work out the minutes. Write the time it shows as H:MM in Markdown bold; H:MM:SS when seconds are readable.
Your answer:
**9:29**
